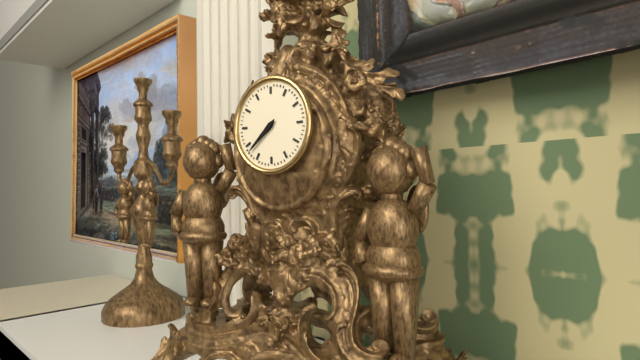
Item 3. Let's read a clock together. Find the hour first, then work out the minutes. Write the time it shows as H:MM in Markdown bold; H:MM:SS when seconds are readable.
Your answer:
**7:38**
